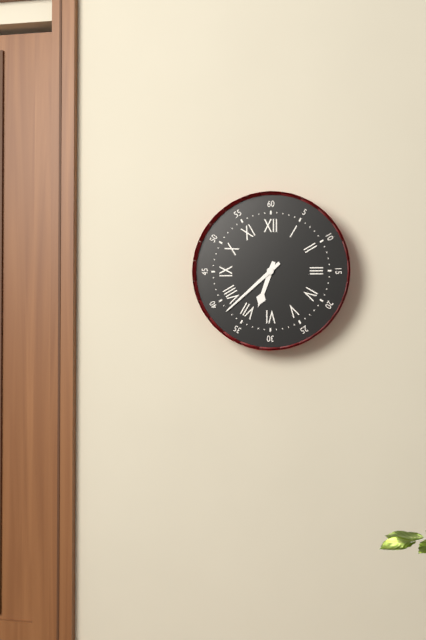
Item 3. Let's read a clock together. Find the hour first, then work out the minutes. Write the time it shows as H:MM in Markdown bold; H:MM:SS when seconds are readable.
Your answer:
**6:38**
